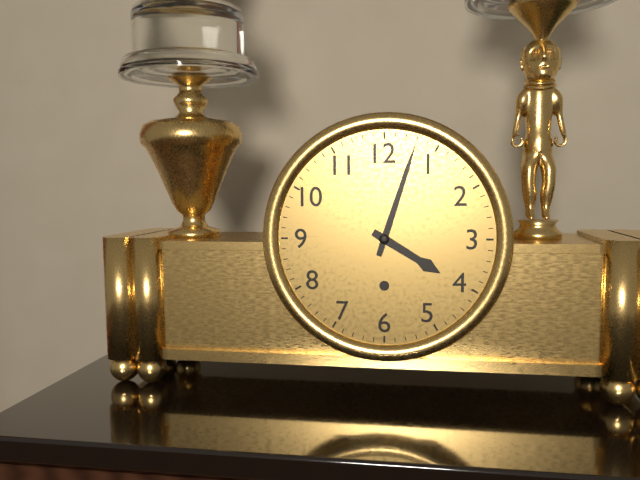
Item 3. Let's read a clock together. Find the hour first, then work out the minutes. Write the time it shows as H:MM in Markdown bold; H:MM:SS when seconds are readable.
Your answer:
**4:03**
